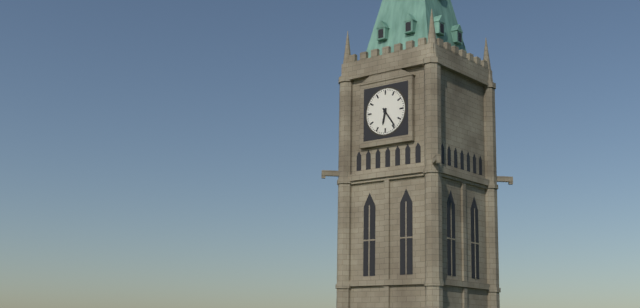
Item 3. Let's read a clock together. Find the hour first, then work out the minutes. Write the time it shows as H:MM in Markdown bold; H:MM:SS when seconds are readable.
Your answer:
**6:24**
